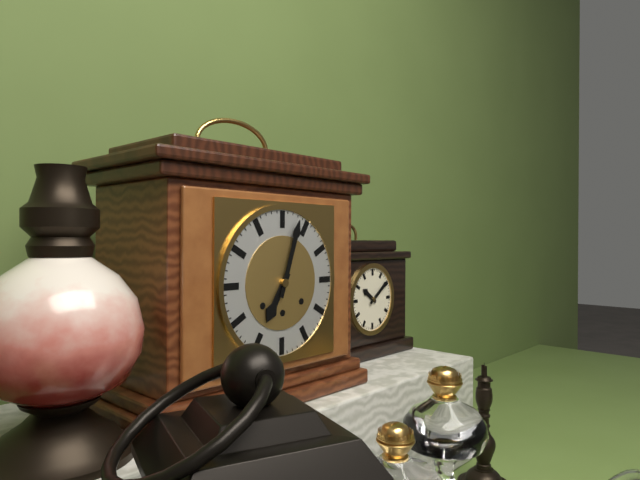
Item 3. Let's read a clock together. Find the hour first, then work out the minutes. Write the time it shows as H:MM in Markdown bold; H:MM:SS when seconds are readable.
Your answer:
**7:03**
